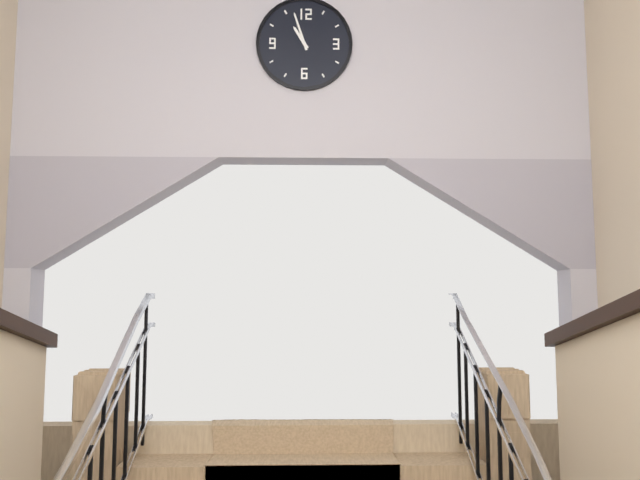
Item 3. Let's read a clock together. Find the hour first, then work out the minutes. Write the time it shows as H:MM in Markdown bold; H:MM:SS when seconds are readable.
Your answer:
**10:57**
